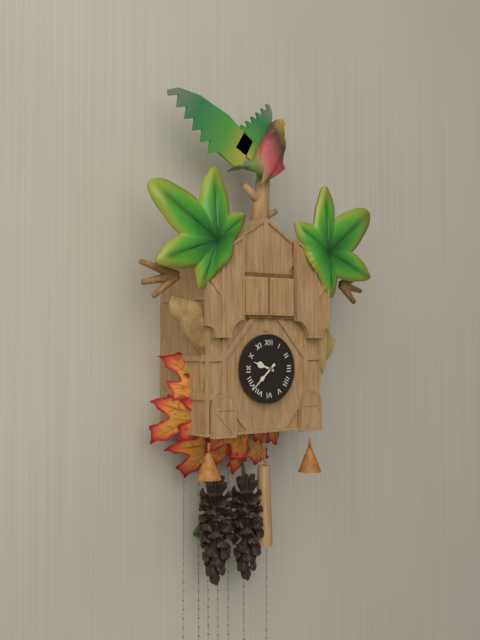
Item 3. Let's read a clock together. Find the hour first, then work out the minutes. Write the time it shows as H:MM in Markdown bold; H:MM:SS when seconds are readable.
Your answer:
**9:38**
